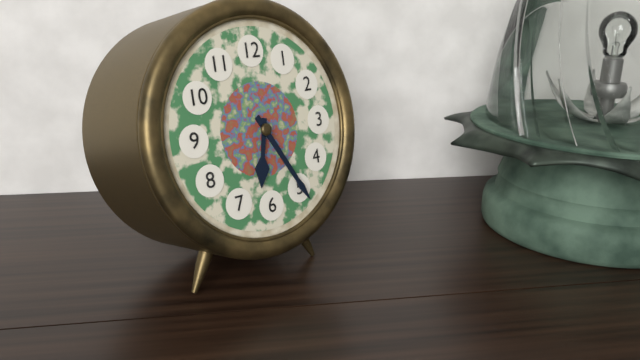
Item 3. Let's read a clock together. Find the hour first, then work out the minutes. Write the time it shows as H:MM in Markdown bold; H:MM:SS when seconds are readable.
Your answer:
**6:25**
